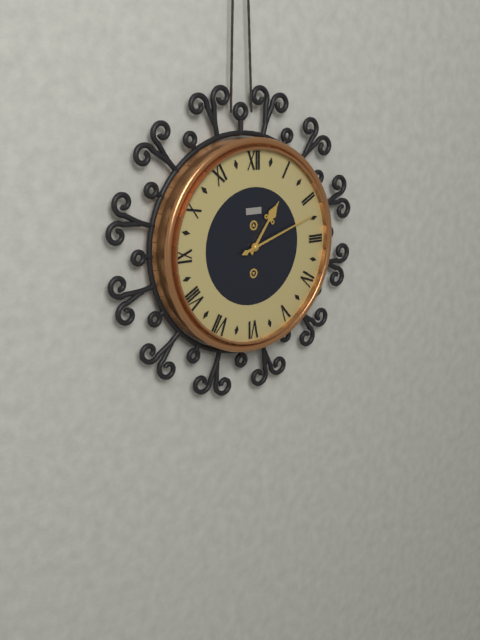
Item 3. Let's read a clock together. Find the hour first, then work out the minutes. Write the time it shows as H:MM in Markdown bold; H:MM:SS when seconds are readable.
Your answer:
**1:12**
